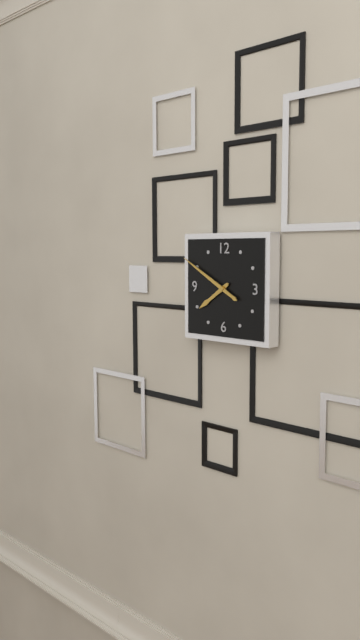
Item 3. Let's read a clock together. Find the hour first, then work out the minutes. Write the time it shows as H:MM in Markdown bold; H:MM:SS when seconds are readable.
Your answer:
**7:50**
